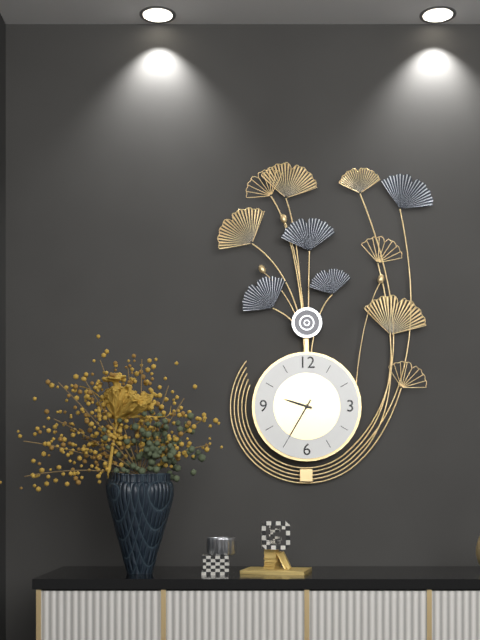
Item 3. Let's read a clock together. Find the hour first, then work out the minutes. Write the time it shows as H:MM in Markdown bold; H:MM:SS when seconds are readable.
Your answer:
**9:35**
